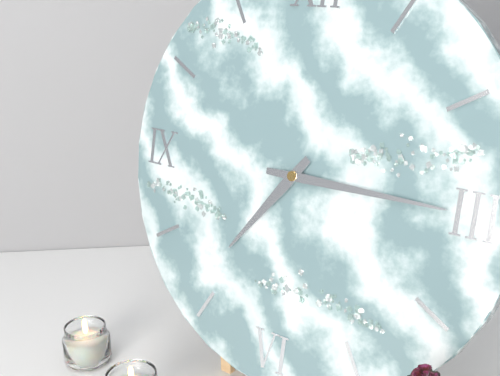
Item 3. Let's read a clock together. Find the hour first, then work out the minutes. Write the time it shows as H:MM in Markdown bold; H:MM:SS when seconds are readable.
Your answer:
**7:15**
